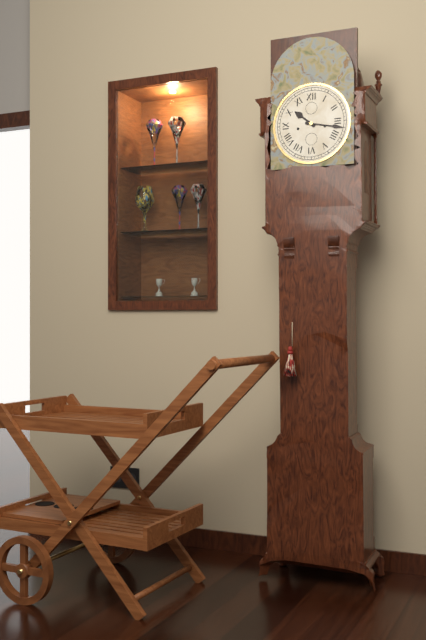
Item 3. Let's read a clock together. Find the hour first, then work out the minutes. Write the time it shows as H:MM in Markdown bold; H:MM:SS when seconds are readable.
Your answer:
**10:17**
